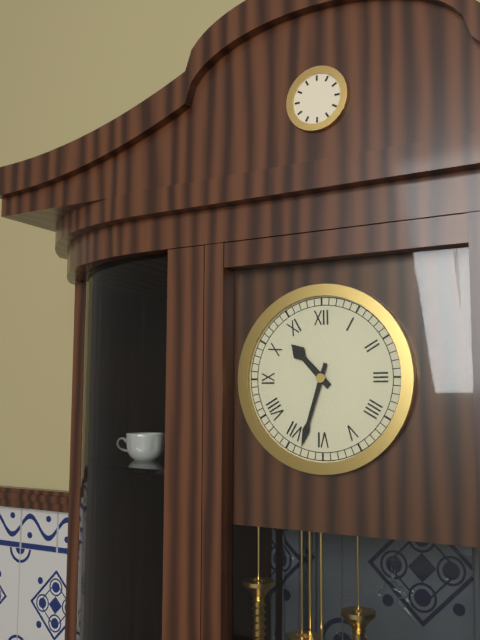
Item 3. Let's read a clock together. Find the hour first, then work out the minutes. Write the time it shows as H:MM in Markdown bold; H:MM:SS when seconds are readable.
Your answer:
**10:33**
